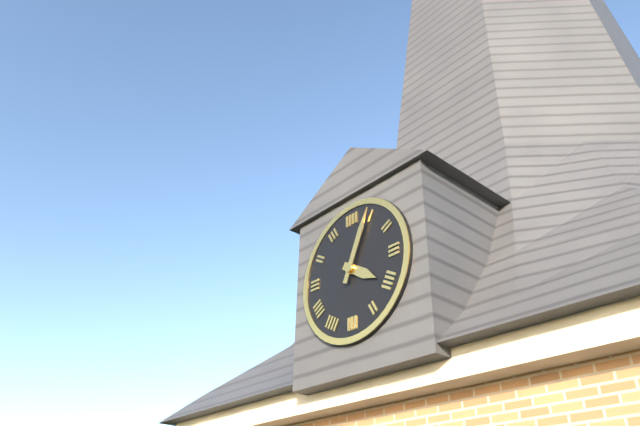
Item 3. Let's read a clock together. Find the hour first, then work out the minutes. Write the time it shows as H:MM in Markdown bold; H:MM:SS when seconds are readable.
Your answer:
**4:04**
